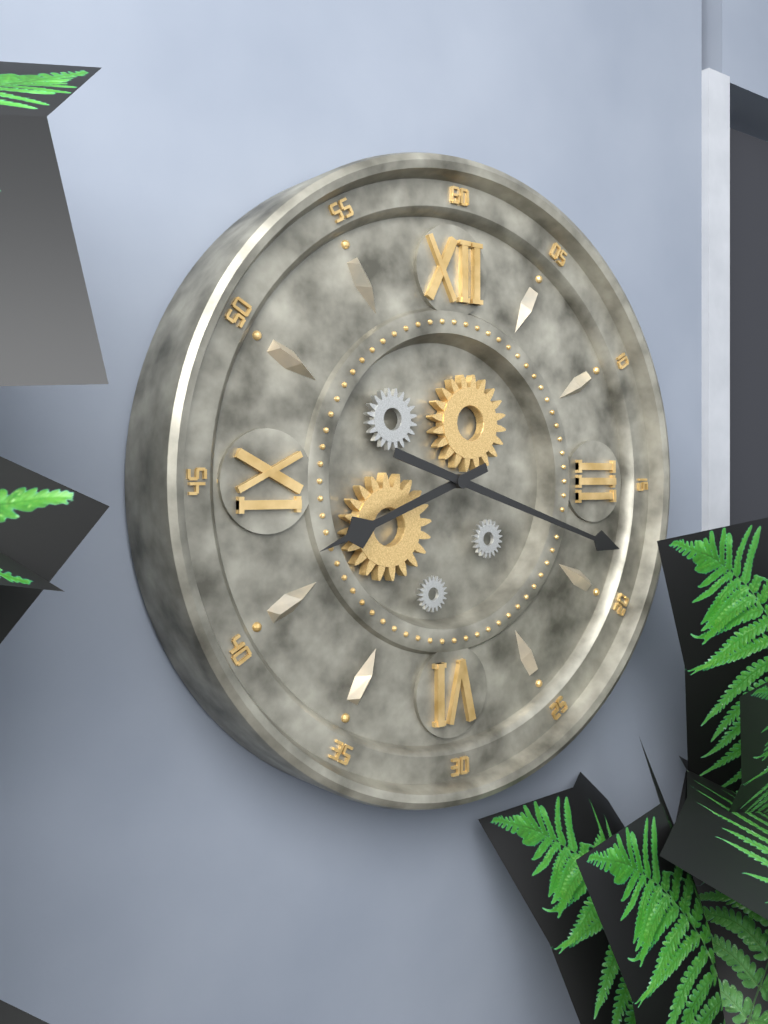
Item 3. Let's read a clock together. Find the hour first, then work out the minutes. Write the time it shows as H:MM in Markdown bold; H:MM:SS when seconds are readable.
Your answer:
**8:18**
